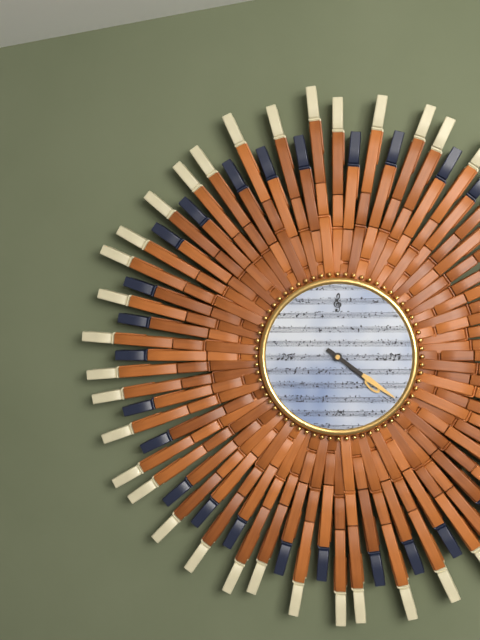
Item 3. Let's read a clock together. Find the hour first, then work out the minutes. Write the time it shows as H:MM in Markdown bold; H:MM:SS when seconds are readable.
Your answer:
**4:21**
